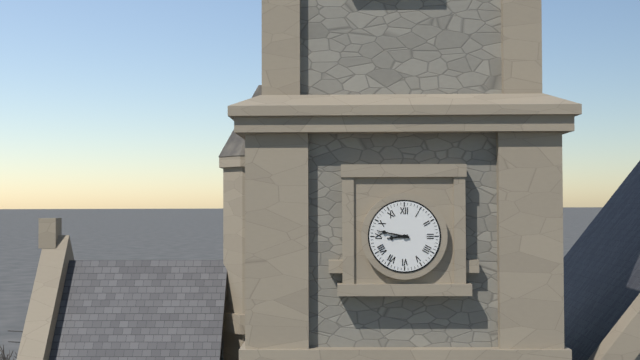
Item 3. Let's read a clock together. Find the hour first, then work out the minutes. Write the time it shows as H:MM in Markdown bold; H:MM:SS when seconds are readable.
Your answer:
**8:47**
